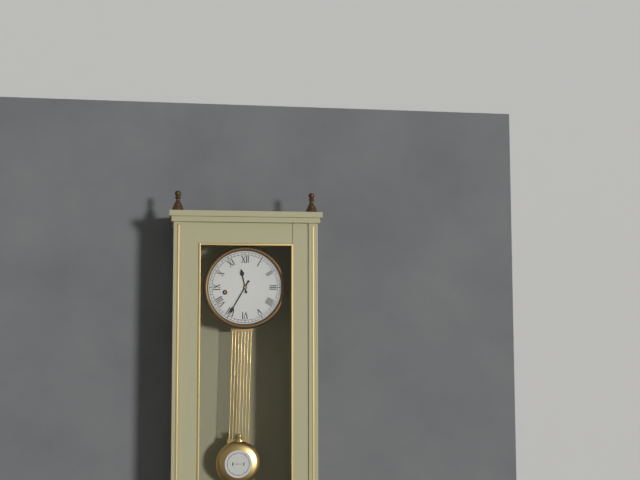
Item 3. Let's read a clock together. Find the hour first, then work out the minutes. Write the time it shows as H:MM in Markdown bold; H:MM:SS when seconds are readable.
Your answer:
**11:35**
